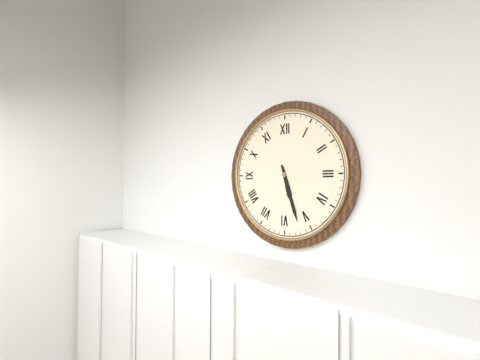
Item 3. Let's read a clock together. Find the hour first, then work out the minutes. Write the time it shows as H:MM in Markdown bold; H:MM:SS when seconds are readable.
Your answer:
**5:27**
